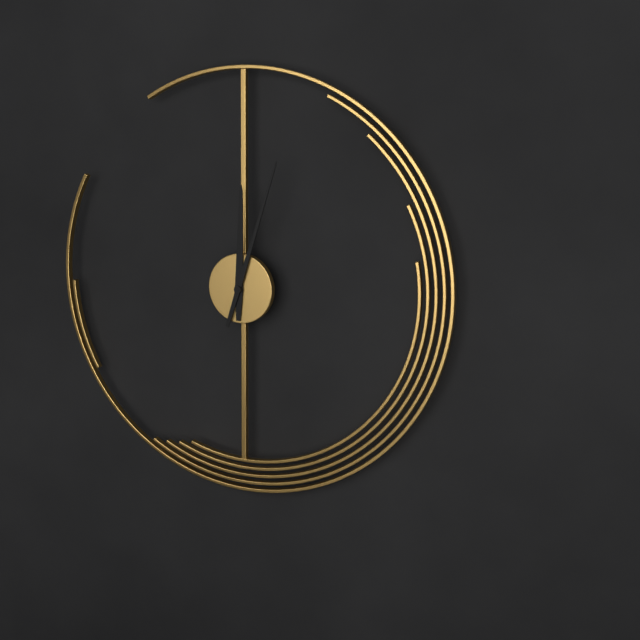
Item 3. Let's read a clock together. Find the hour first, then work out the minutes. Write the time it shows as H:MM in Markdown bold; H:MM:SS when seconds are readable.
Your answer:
**12:03**
